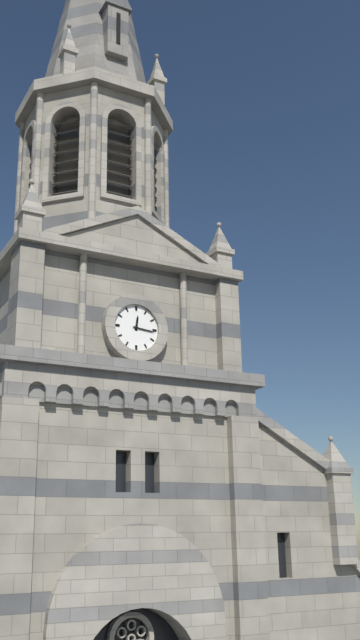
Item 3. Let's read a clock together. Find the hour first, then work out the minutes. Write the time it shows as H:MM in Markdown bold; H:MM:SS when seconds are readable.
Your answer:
**12:16**
